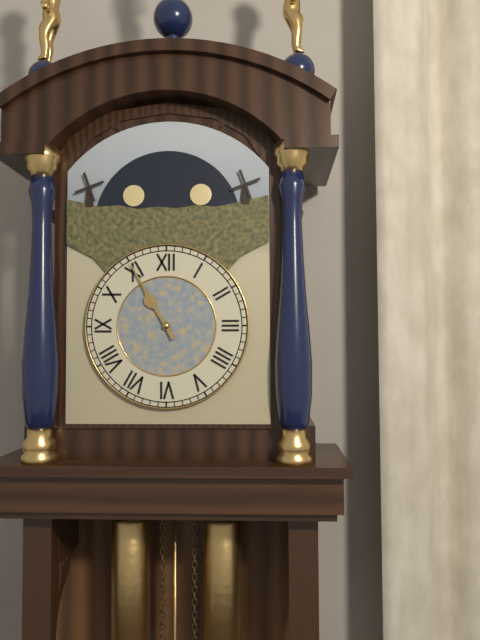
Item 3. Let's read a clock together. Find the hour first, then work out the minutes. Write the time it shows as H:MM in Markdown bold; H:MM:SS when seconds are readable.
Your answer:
**10:55**
